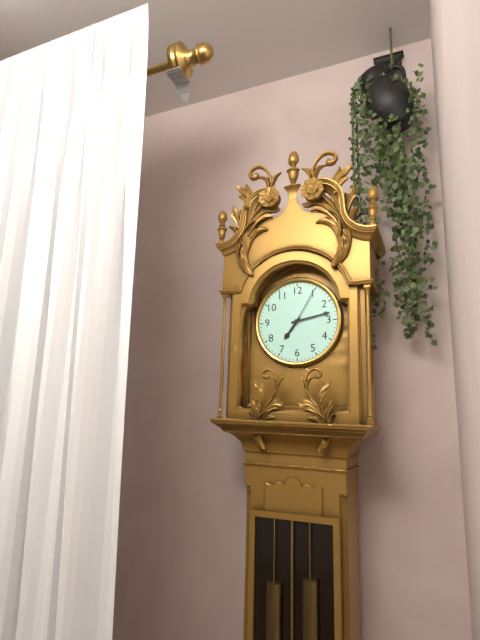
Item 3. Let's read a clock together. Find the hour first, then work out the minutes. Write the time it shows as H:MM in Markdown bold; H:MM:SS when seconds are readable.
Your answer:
**7:13**
